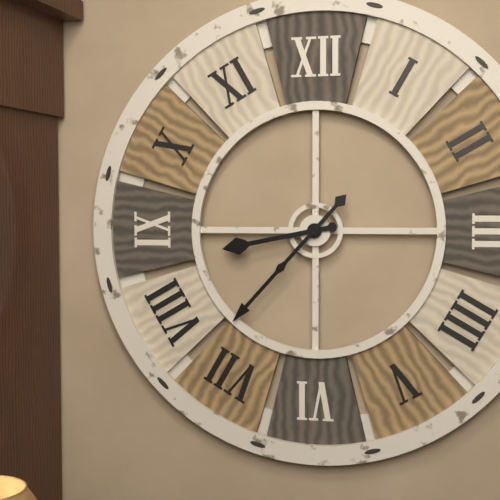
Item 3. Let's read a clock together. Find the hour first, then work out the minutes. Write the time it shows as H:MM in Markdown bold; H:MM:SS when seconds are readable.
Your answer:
**8:37**
